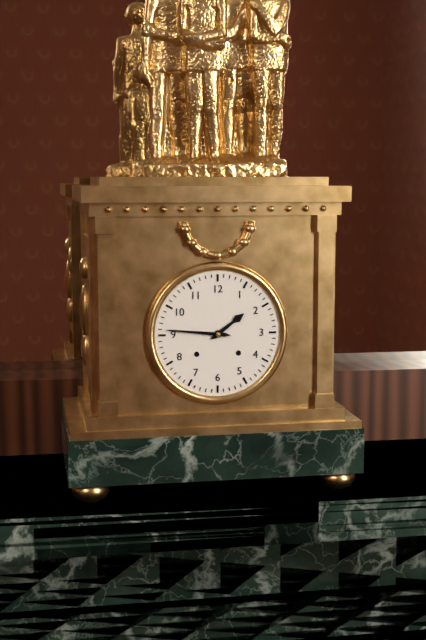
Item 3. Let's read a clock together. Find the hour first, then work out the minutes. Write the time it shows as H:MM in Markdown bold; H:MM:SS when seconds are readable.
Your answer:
**1:46**
